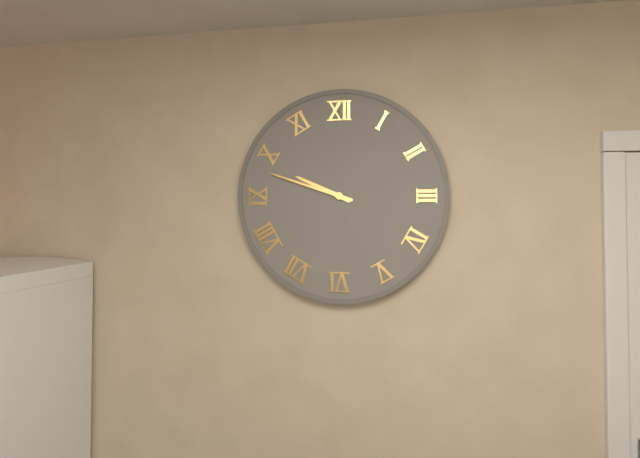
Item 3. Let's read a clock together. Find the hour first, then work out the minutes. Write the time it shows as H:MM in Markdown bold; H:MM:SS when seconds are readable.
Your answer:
**9:48**
